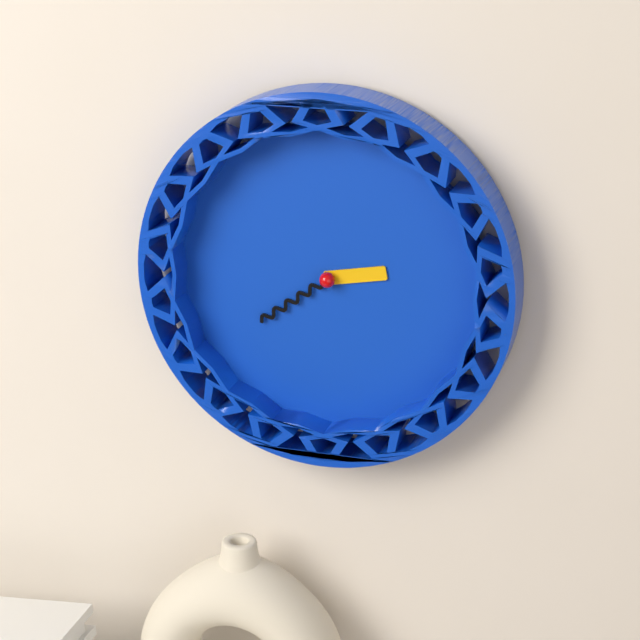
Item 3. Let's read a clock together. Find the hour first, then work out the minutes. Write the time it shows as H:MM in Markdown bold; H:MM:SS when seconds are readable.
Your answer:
**2:39**
